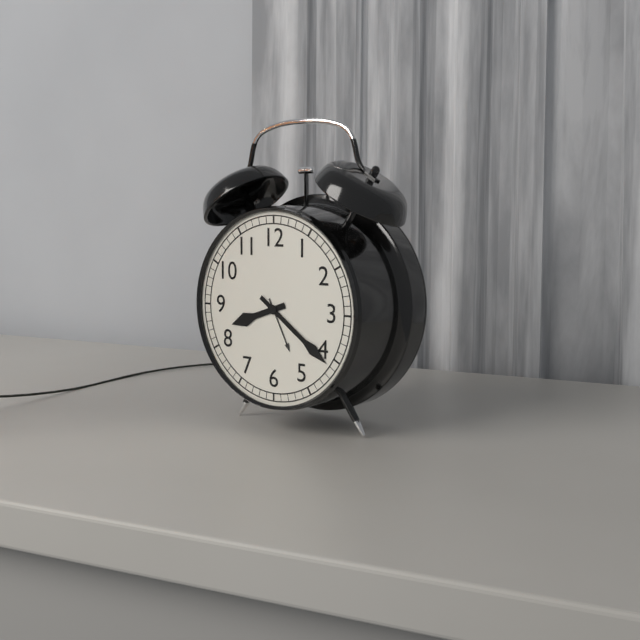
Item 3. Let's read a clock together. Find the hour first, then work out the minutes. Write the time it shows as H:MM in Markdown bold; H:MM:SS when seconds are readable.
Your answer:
**8:21**
